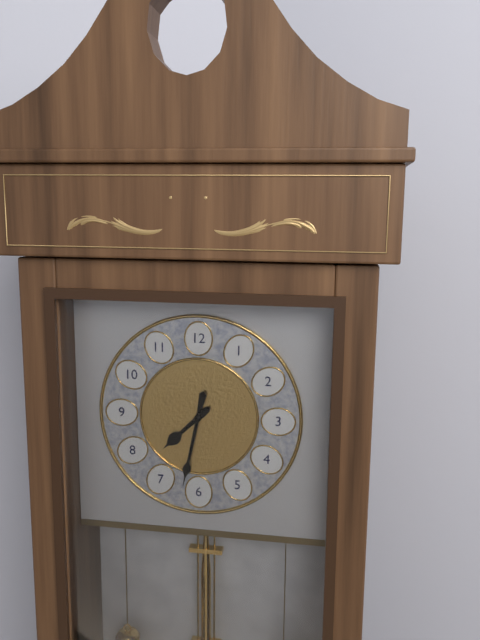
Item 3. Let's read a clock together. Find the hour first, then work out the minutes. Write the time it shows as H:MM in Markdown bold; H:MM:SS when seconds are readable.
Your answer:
**7:32**
